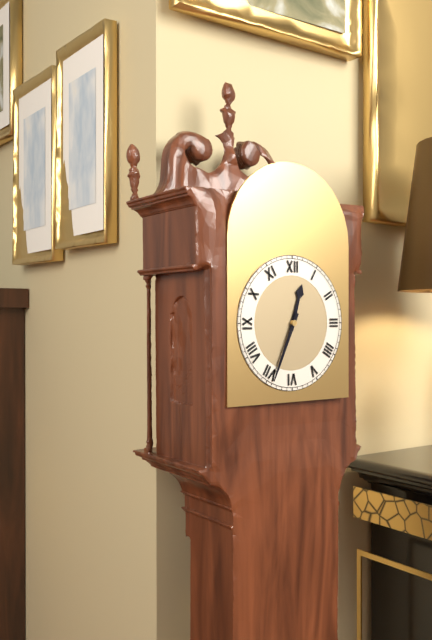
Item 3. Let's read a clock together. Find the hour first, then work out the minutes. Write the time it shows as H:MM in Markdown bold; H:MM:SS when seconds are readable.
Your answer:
**12:34**
